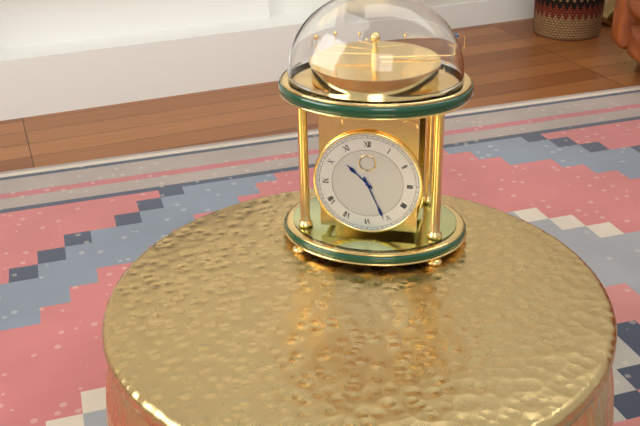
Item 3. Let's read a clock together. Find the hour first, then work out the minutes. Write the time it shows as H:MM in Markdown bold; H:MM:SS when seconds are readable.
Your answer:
**10:26**
